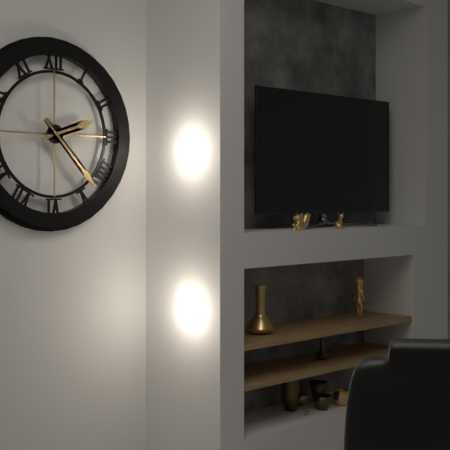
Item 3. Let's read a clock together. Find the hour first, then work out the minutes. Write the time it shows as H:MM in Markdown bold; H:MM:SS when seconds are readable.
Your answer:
**2:23**
